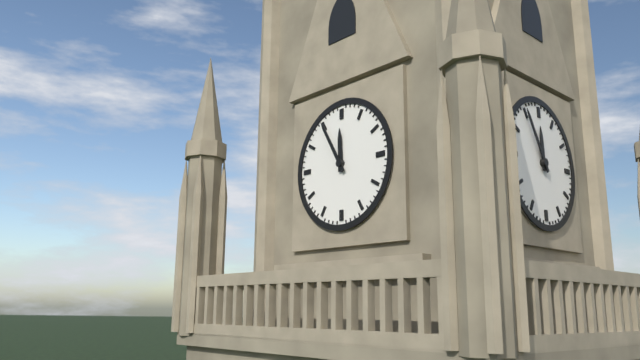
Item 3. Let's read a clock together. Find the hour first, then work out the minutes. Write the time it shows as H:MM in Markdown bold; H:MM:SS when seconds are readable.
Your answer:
**11:55**
